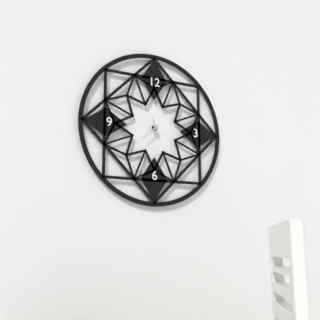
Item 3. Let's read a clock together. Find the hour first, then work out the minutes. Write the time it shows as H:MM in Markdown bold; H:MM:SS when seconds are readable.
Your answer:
**11:38**
